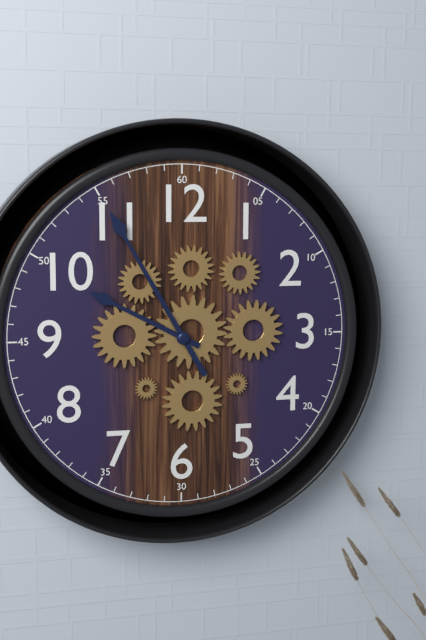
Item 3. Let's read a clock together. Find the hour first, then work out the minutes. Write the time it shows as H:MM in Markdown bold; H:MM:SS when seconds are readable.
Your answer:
**9:55**
